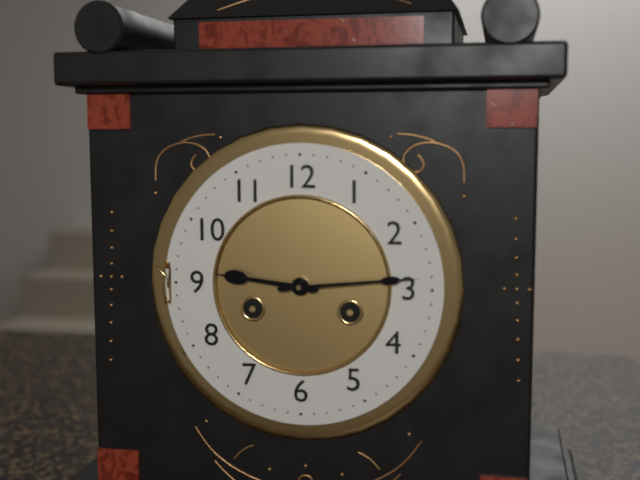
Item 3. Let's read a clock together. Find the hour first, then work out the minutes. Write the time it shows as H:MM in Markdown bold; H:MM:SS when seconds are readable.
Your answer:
**9:14**
